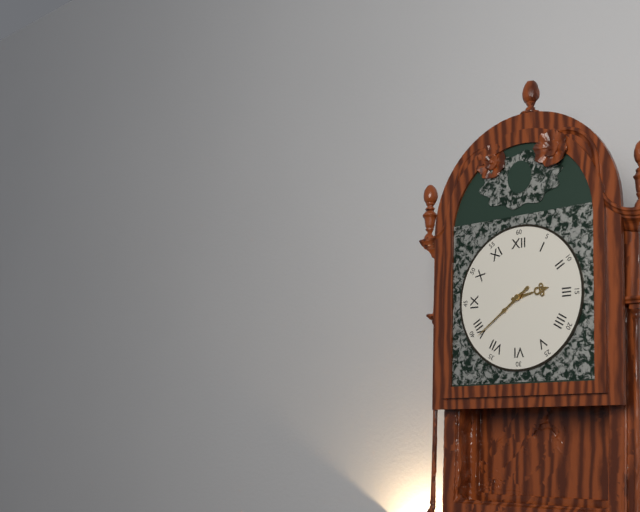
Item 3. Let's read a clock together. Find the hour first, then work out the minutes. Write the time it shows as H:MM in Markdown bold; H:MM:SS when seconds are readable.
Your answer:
**2:39**
